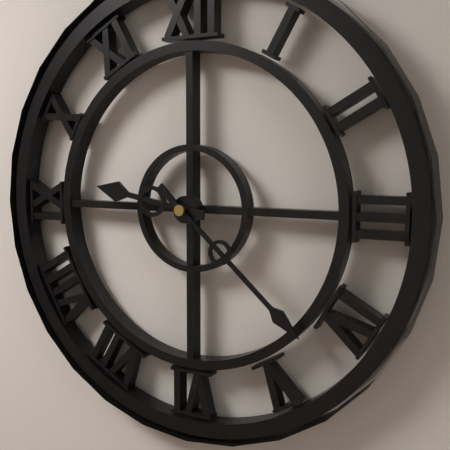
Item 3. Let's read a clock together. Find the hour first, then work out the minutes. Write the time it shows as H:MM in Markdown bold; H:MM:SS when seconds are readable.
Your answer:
**9:22**
